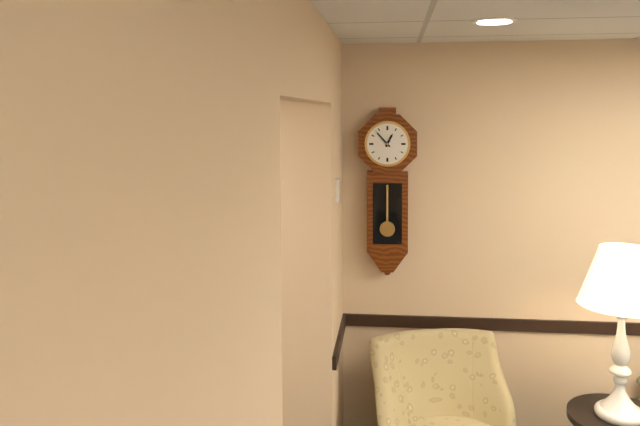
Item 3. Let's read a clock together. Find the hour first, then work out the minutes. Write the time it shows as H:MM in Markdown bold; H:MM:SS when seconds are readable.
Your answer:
**12:53**
